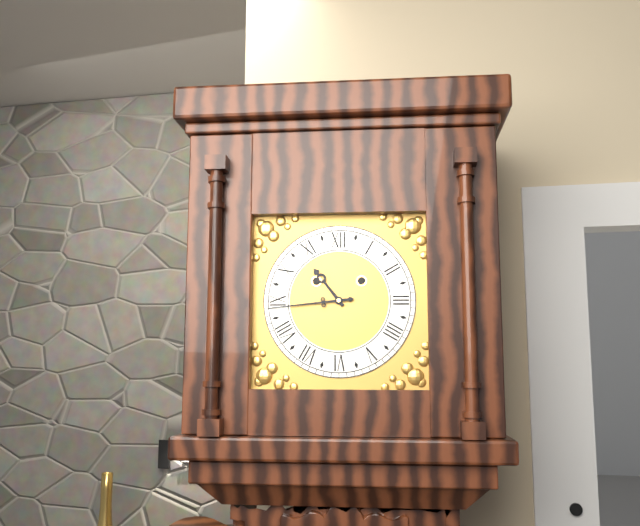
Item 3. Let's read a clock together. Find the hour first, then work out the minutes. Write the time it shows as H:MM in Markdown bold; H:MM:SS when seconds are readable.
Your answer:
**10:44**
